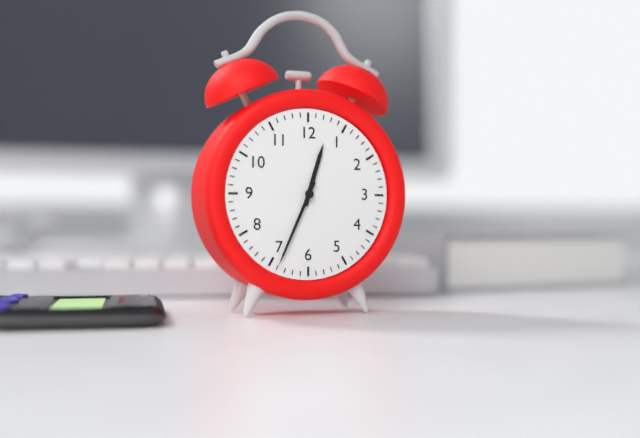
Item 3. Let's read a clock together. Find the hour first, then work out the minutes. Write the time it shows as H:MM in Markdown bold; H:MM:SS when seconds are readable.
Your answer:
**12:34**
